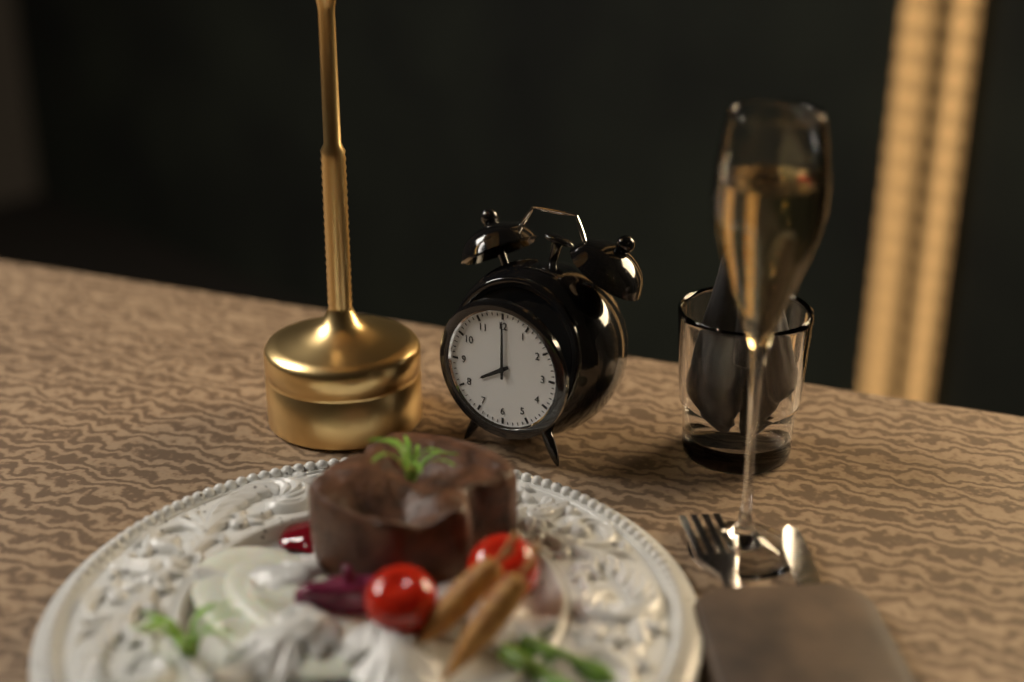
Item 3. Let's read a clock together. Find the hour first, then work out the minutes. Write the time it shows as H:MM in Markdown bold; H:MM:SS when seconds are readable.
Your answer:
**8:00**
